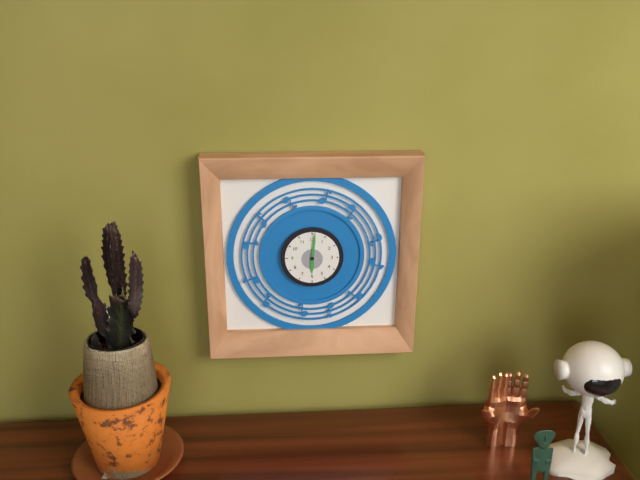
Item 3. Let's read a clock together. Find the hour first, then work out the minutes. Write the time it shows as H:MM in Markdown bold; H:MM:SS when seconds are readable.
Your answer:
**6:01**
